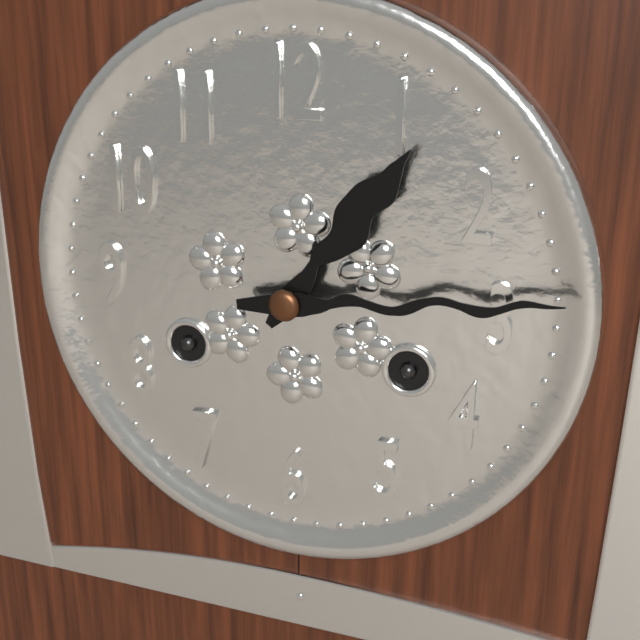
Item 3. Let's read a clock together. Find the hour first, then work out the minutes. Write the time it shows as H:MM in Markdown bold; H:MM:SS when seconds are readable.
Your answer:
**1:14**
